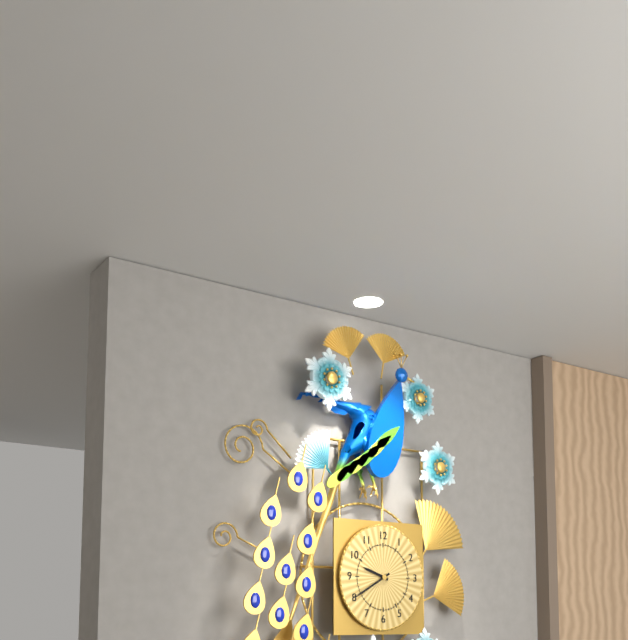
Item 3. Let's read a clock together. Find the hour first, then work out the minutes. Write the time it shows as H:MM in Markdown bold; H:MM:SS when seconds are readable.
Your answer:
**9:40**
